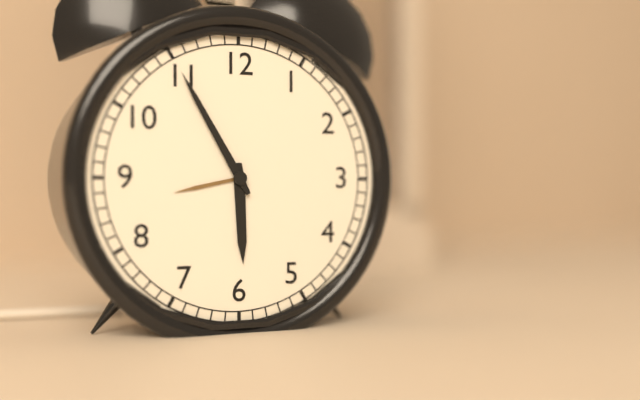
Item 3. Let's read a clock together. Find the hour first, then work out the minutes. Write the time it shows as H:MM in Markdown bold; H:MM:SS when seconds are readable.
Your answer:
**5:55**
